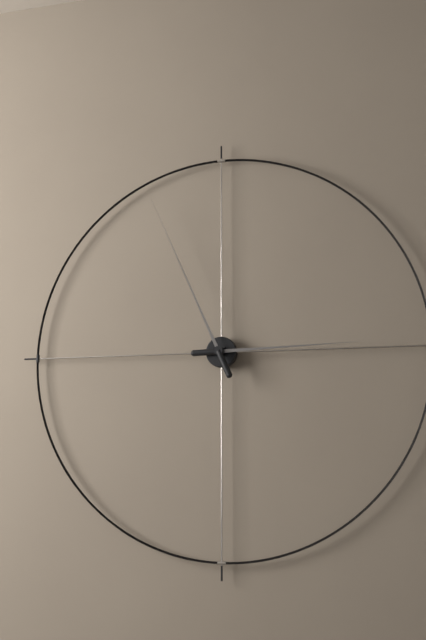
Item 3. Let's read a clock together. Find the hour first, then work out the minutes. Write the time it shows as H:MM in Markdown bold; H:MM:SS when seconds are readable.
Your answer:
**2:56**
